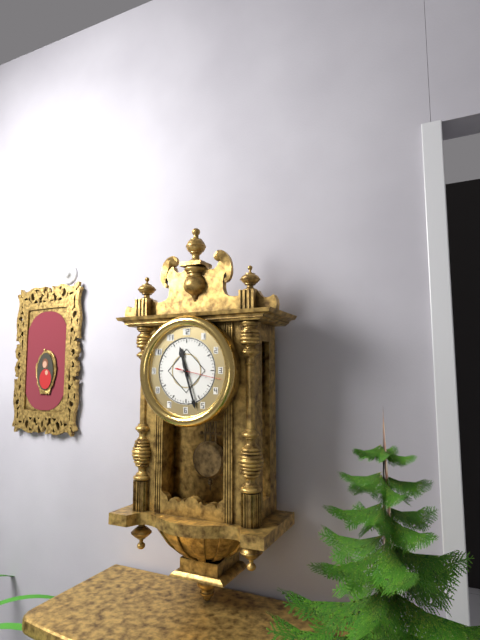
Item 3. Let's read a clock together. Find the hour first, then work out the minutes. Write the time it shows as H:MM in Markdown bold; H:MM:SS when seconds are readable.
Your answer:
**11:27**
